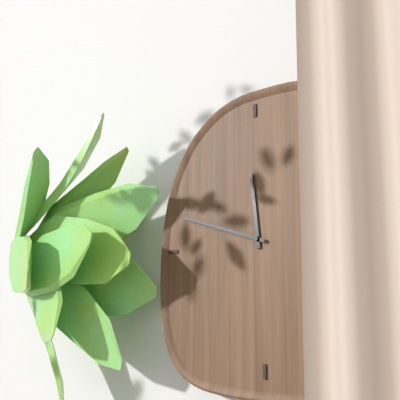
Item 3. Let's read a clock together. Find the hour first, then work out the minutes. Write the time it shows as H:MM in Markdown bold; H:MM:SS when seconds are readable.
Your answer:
**11:48**
